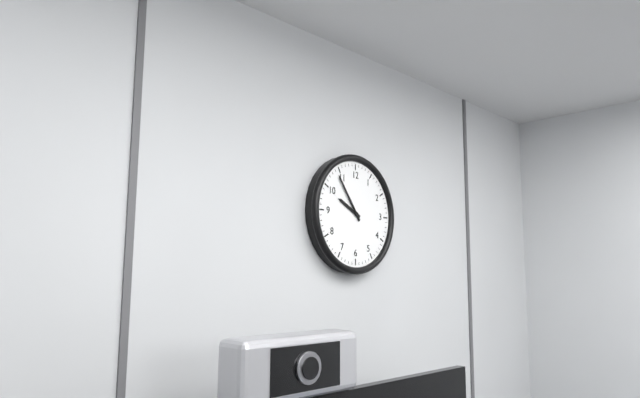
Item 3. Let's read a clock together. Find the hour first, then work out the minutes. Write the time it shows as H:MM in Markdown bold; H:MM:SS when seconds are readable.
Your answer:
**9:54**
